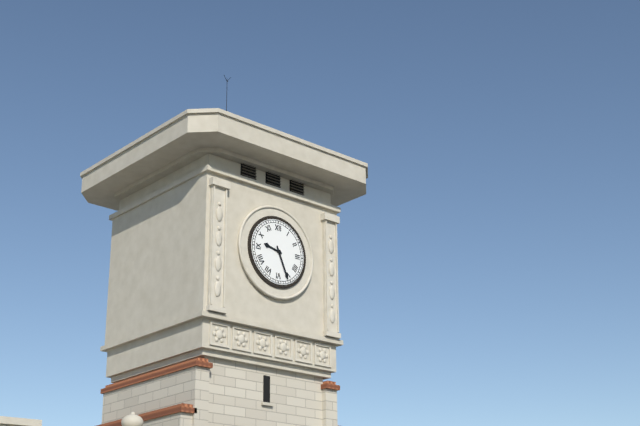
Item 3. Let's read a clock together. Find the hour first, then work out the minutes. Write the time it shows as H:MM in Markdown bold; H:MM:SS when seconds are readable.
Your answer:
**9:26**
